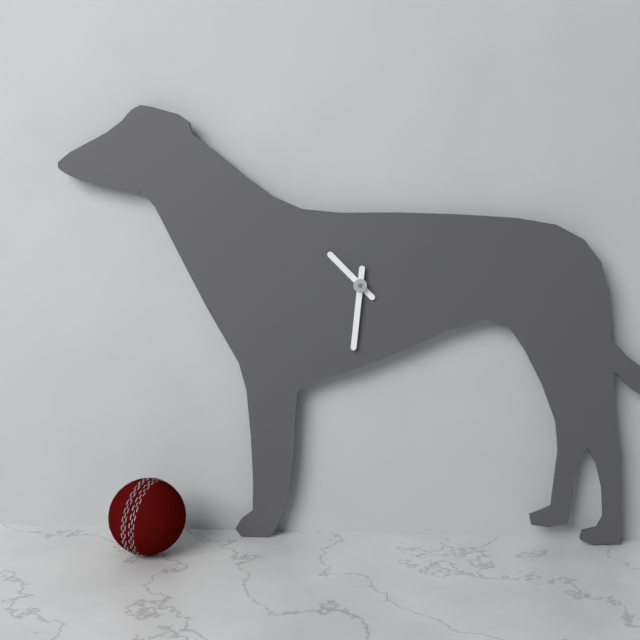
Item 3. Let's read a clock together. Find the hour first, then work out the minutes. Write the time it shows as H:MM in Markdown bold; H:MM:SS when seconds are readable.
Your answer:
**10:31**
